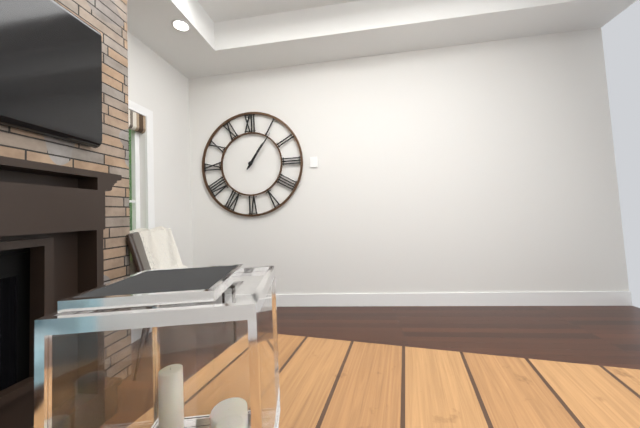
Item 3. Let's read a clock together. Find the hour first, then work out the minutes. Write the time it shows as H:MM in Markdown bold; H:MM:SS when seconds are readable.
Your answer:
**1:06**
